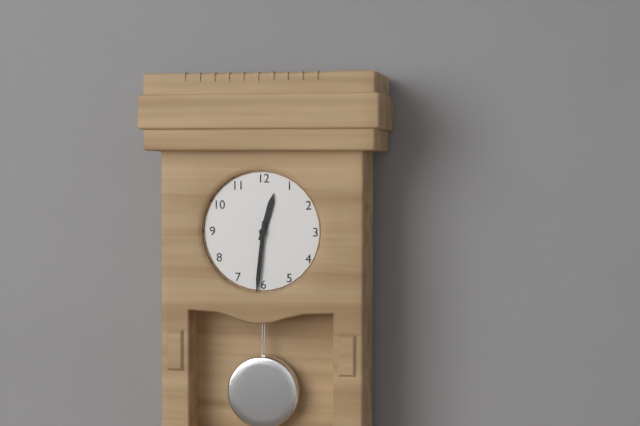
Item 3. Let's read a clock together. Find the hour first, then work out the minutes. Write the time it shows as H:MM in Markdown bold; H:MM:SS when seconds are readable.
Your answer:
**12:31**
